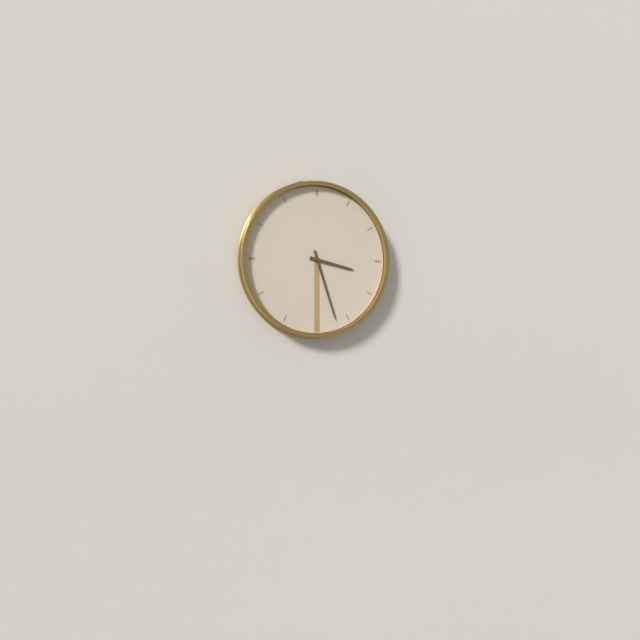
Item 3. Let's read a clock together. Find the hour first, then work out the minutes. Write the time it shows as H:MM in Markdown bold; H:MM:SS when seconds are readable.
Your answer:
**3:27**
